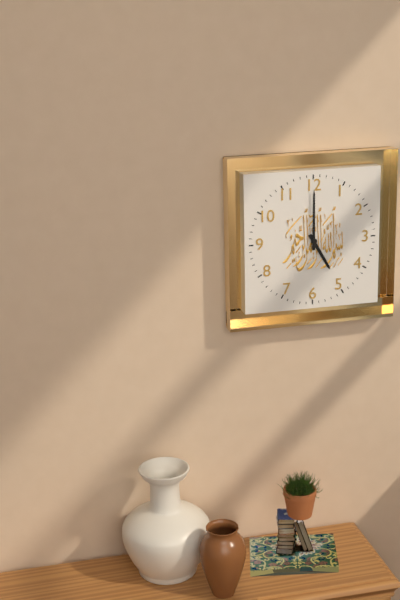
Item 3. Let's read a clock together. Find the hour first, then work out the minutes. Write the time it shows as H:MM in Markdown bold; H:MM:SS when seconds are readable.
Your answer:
**5:00**
